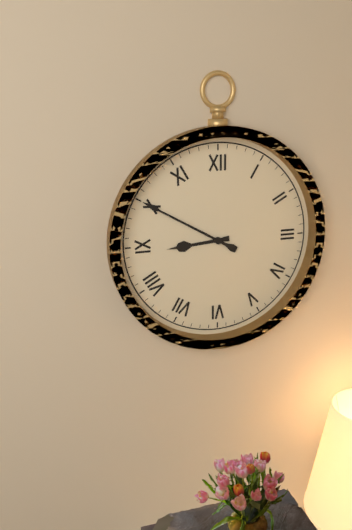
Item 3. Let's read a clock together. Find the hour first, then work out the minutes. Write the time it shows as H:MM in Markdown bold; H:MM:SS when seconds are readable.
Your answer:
**8:50**
